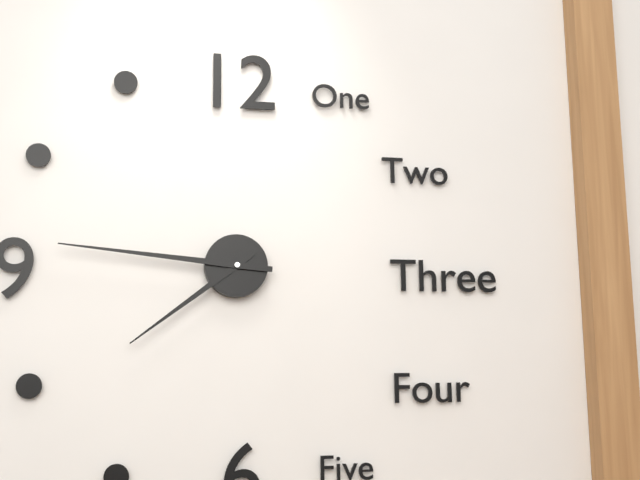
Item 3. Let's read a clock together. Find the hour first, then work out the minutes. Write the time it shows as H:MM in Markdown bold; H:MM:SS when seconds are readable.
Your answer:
**7:46**
